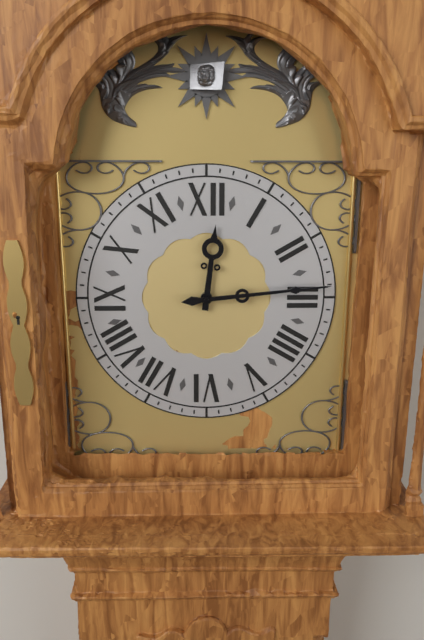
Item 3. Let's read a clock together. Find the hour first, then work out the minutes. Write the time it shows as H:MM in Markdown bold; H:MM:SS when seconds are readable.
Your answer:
**12:14**
